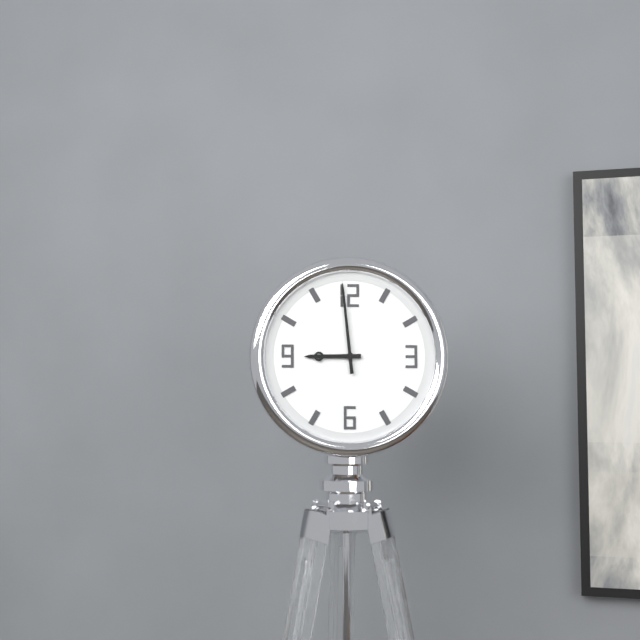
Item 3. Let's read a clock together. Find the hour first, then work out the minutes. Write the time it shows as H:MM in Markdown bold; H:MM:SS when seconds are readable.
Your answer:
**8:59**
